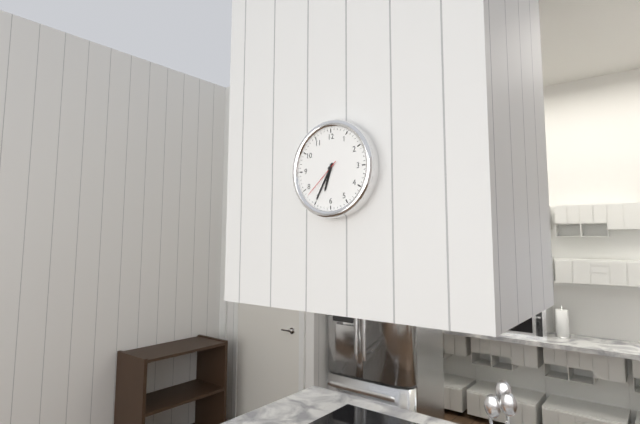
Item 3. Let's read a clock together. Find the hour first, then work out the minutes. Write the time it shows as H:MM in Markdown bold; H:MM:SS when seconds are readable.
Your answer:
**6:35**
